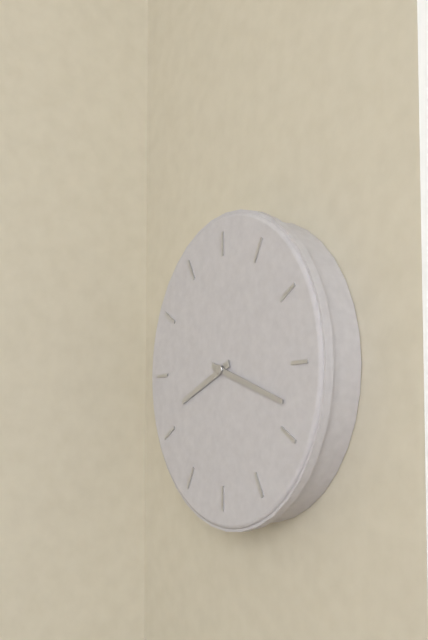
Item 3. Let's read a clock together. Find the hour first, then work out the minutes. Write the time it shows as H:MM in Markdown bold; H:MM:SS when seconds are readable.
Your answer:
**8:18**
